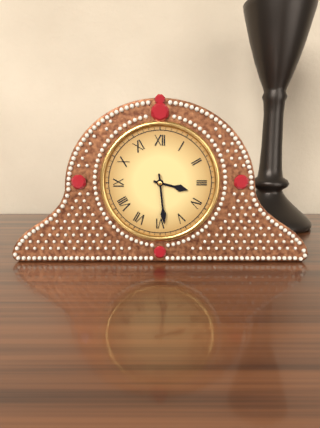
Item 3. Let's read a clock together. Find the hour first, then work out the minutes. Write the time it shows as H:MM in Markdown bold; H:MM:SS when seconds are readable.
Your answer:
**3:29**
